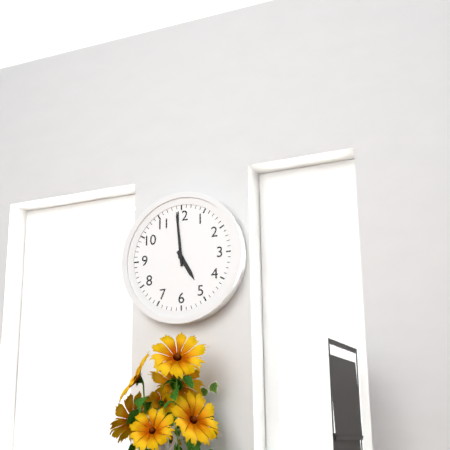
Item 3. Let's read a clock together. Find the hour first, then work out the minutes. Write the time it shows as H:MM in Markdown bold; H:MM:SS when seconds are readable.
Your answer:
**4:59**
